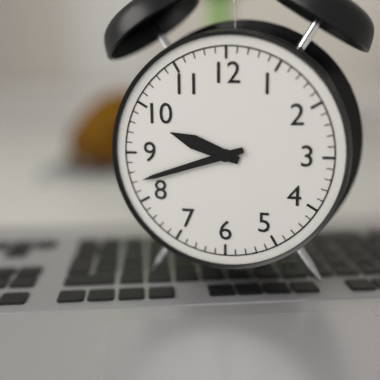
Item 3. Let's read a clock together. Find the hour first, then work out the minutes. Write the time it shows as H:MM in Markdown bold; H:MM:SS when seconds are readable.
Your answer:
**9:42**
